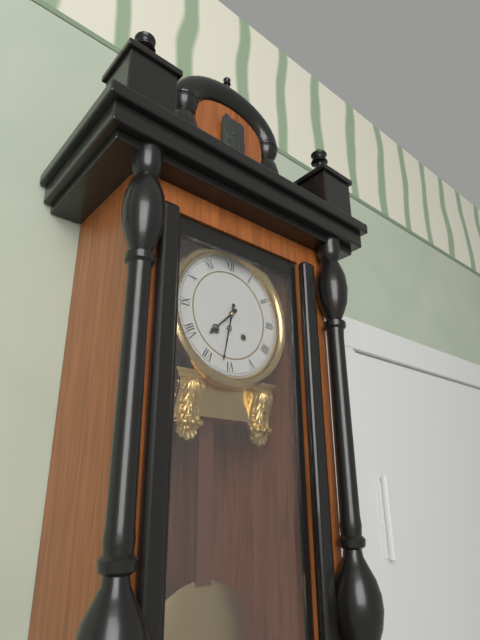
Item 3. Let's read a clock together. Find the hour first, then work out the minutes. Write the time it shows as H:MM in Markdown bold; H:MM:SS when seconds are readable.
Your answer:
**7:32**
